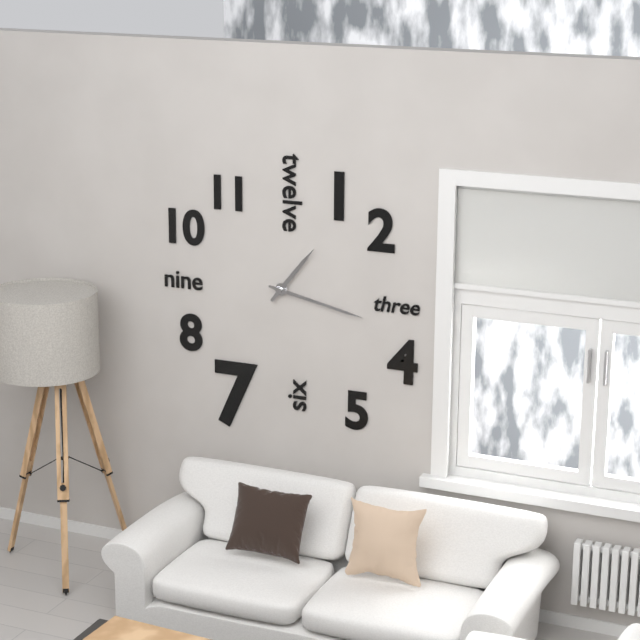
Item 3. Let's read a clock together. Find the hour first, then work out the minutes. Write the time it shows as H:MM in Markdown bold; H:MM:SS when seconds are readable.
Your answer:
**1:17**
